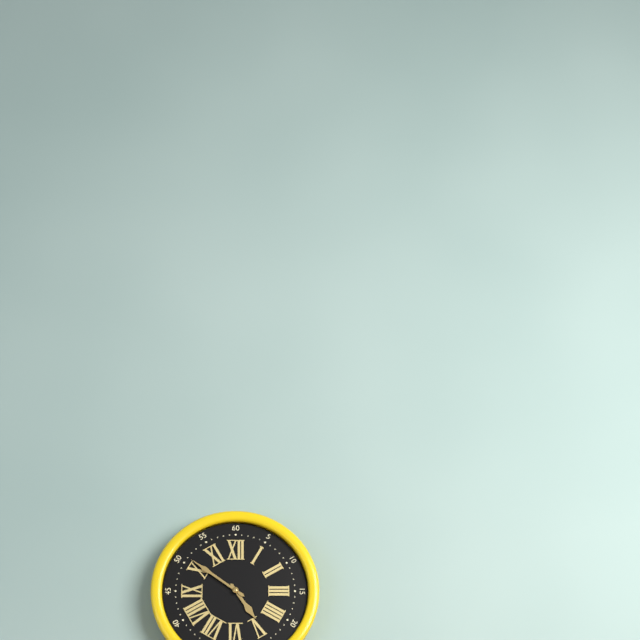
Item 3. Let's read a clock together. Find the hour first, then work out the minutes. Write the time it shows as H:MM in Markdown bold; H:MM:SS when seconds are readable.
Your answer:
**4:51**
